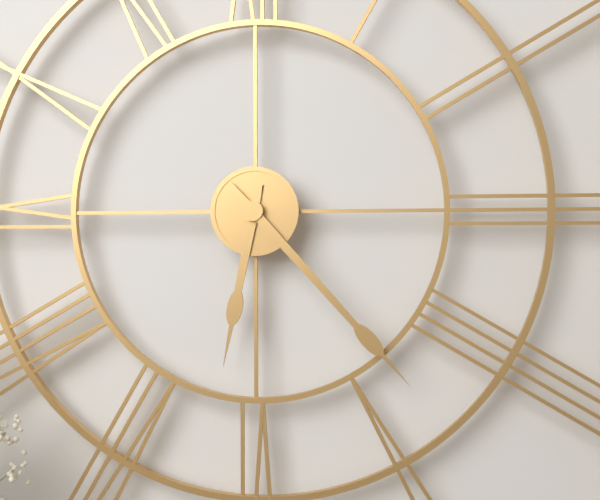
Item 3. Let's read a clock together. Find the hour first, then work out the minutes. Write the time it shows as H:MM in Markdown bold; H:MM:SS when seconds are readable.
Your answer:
**6:23**
